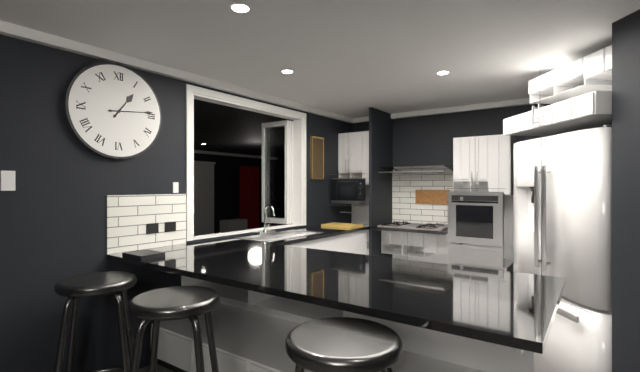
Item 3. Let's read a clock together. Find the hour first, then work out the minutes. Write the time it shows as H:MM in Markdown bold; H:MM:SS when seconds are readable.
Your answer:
**1:14**
